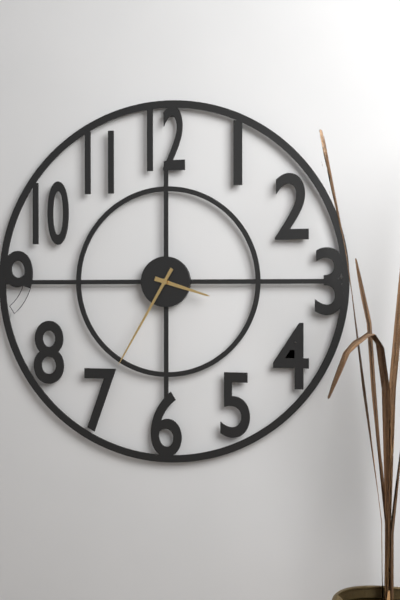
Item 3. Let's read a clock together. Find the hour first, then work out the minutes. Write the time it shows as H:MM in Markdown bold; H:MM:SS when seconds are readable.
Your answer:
**3:35**
